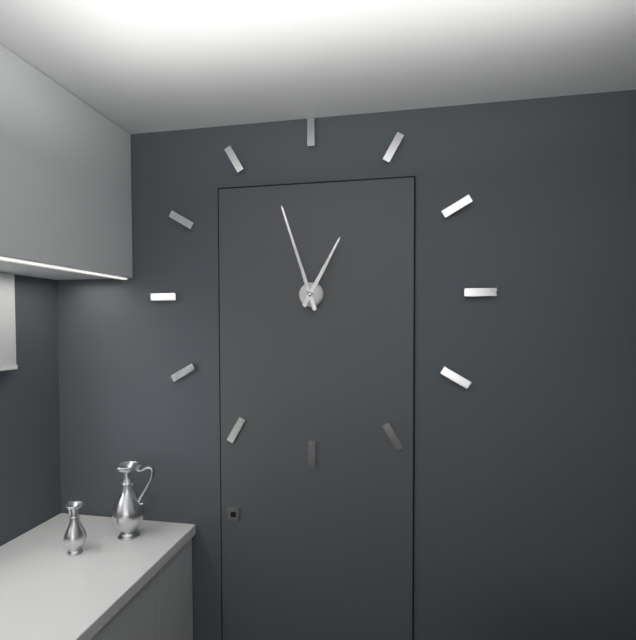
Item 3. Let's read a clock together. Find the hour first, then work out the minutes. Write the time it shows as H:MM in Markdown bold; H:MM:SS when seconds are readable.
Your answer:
**12:57**
